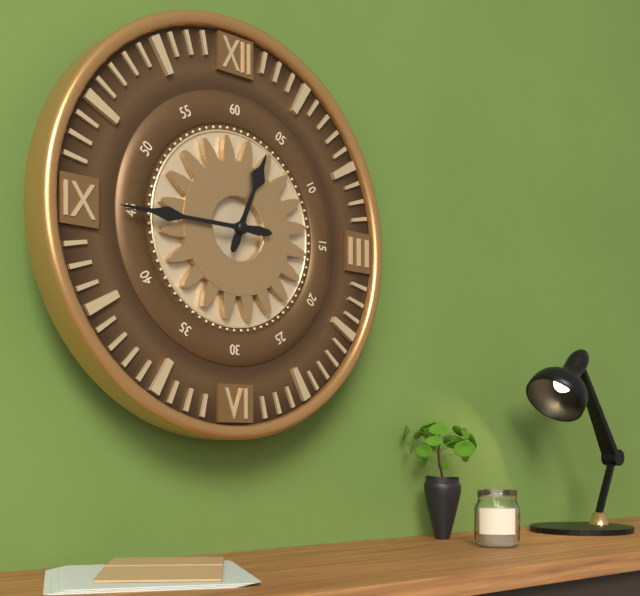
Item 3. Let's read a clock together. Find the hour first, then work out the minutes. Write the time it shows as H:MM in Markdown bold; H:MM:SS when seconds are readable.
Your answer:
**12:45**
